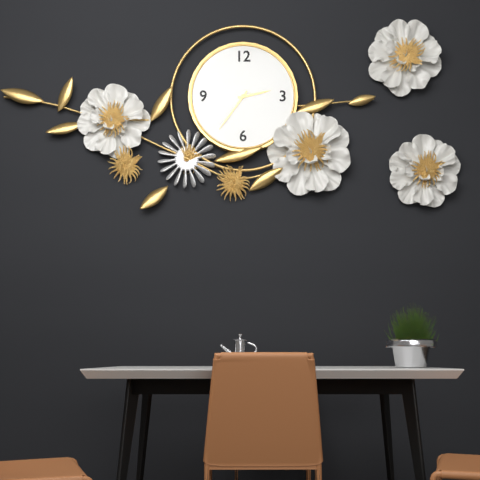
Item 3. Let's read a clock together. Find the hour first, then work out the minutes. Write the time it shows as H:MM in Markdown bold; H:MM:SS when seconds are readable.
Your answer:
**2:36**
